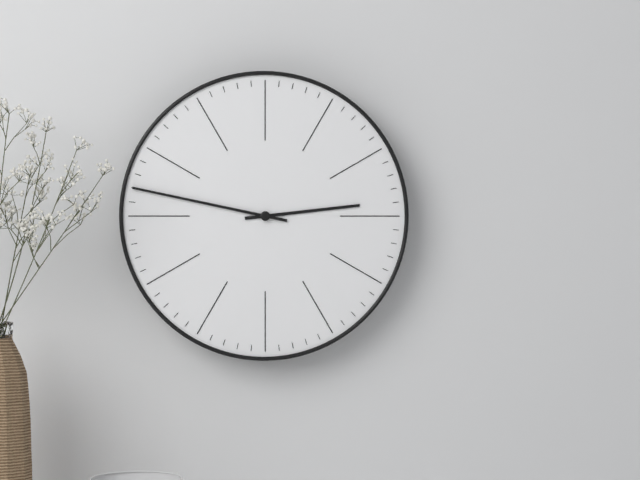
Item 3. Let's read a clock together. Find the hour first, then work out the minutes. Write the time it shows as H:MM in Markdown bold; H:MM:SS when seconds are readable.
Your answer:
**2:47**
